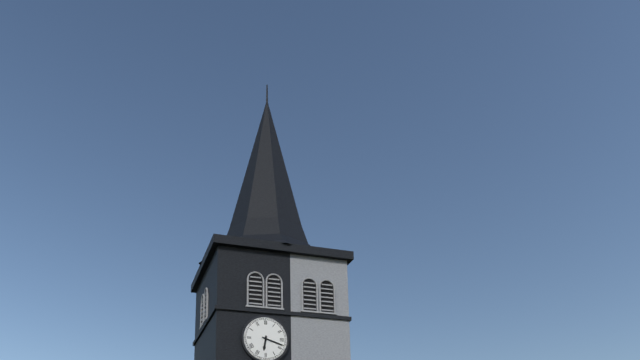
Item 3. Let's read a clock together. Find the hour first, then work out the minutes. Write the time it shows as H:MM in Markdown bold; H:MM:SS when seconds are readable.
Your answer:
**6:18**
